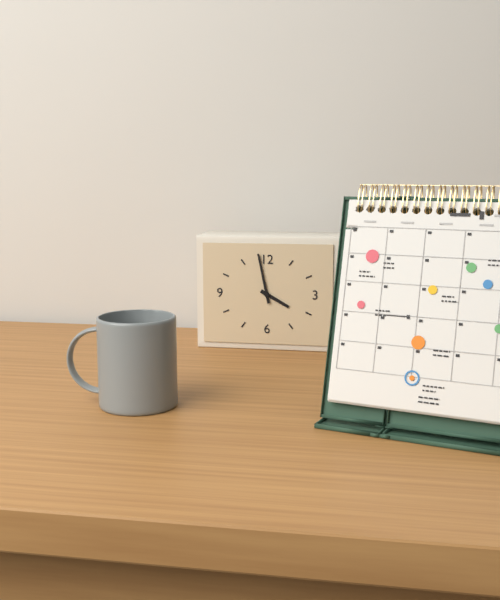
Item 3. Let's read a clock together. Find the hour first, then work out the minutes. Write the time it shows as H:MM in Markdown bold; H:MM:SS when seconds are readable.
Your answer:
**3:58**
